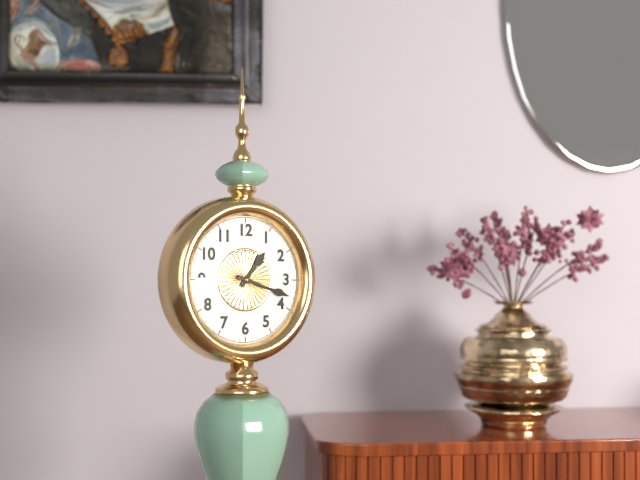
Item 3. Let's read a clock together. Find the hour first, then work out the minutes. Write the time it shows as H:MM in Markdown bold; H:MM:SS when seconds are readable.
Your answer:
**1:18**
